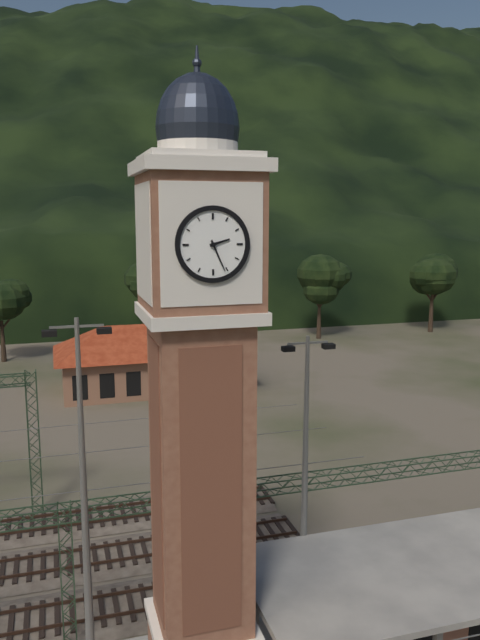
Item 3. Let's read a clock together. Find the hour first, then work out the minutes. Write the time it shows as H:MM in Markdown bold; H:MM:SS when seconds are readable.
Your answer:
**2:26**
